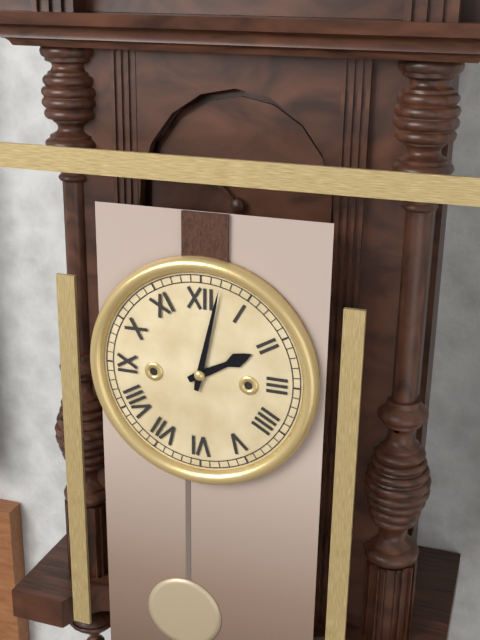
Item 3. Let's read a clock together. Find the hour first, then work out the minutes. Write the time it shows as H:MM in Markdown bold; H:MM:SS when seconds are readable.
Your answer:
**2:02**
